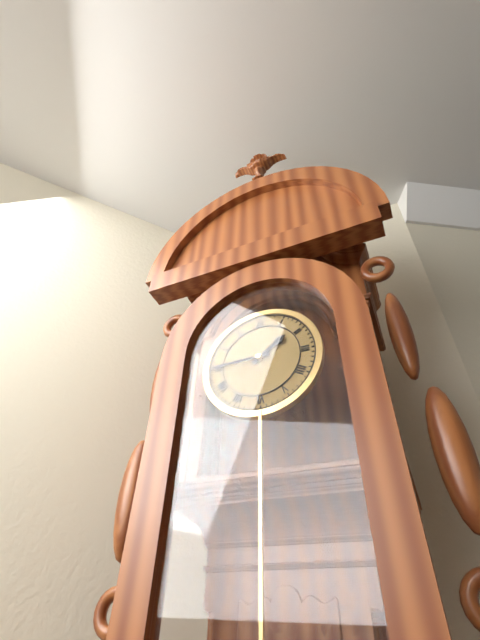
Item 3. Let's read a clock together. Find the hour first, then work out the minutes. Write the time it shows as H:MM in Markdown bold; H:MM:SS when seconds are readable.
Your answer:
**1:45**
